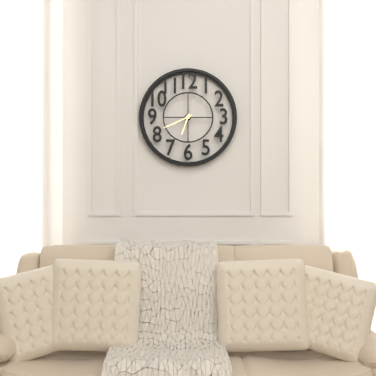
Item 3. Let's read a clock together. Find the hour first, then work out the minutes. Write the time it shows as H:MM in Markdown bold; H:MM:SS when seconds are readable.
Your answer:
**6:41**
